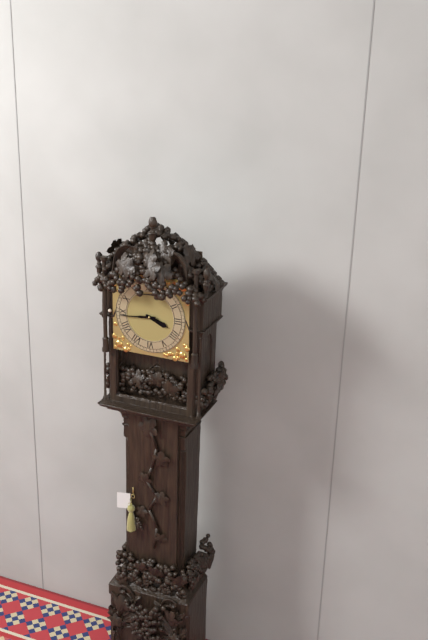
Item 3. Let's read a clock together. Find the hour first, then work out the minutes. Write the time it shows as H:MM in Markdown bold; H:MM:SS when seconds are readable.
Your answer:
**3:44**
